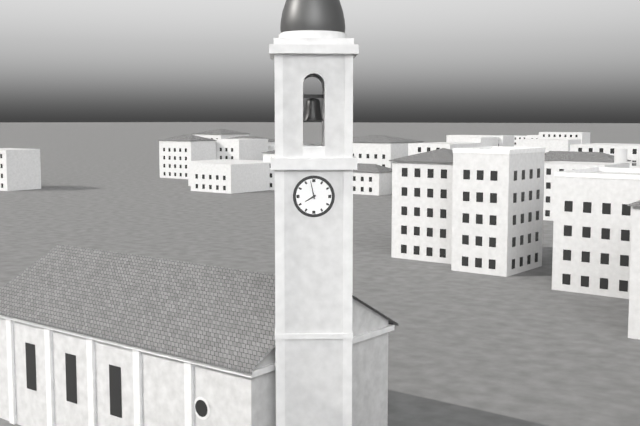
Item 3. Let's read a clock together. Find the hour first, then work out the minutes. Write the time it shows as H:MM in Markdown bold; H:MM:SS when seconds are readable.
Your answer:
**7:58**
